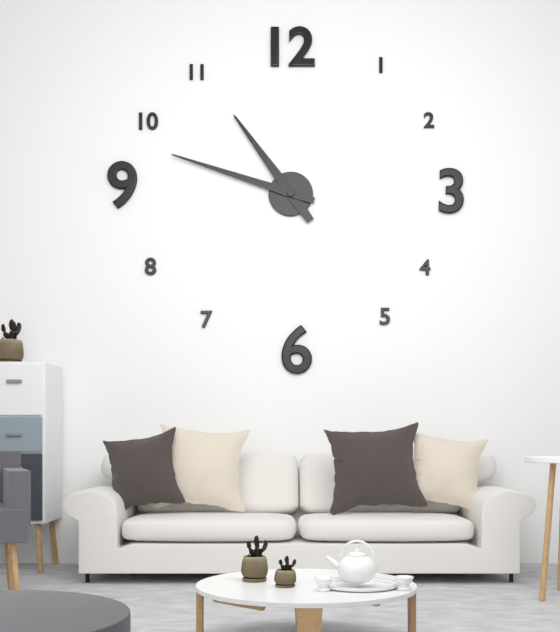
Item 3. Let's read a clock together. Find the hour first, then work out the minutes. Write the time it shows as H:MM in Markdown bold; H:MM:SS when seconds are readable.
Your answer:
**10:48**
